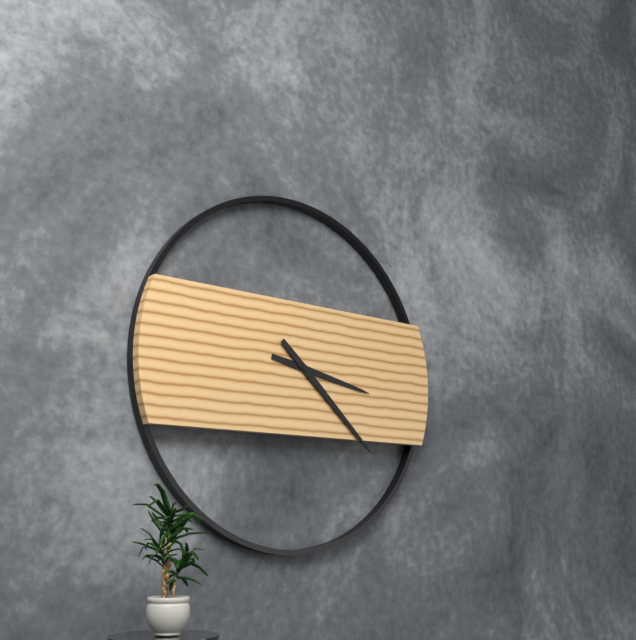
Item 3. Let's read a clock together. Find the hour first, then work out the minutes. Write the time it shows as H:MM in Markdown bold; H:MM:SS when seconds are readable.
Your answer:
**3:22**
